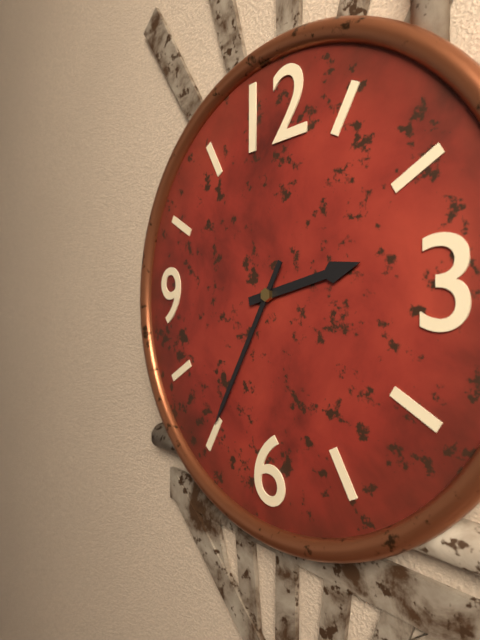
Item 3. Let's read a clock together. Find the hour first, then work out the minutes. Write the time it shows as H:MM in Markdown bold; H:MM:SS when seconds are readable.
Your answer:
**2:35**
